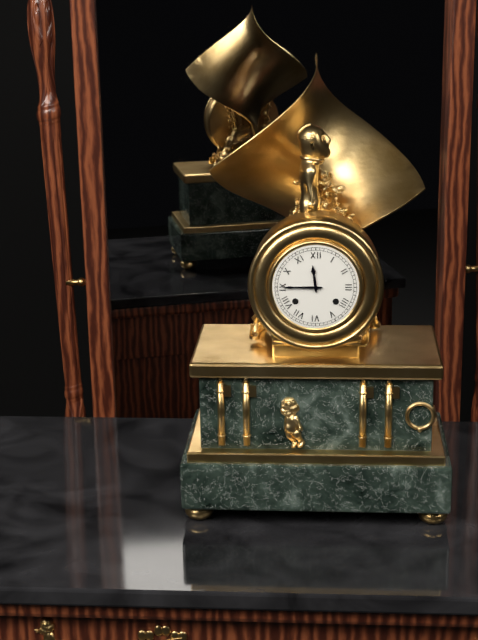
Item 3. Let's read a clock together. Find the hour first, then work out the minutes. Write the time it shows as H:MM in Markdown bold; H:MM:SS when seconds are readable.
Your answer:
**11:45**
